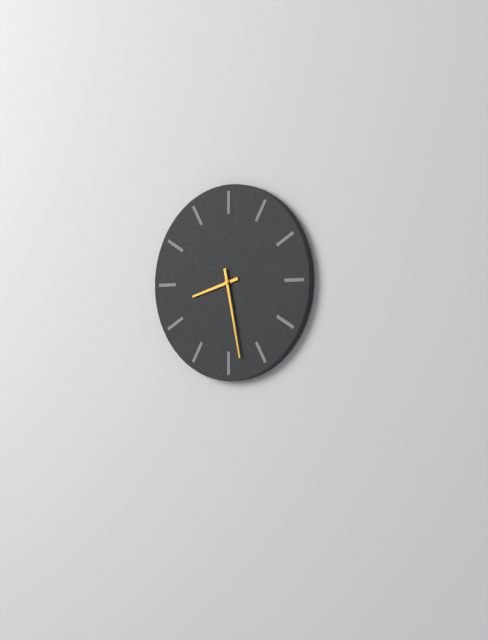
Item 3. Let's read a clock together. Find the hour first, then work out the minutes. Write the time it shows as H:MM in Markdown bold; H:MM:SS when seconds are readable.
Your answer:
**8:28**
